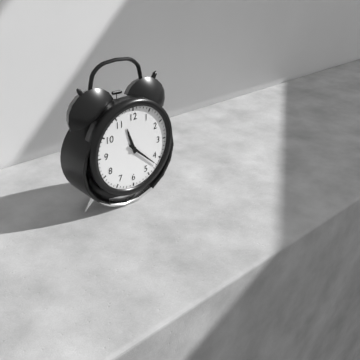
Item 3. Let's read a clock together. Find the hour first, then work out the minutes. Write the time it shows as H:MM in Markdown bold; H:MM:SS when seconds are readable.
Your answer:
**11:22**
